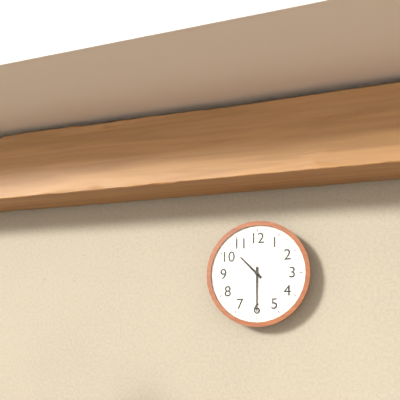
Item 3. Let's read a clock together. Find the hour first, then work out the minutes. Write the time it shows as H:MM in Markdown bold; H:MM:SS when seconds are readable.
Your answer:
**10:30**
